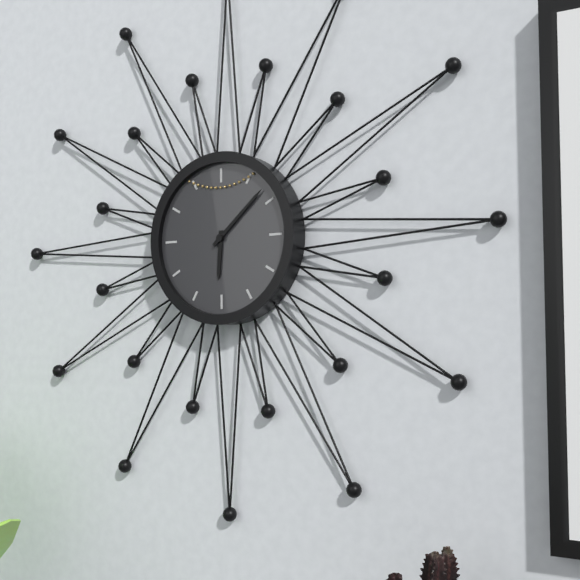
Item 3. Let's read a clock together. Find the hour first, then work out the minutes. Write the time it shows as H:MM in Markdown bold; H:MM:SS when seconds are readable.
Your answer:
**6:08**
